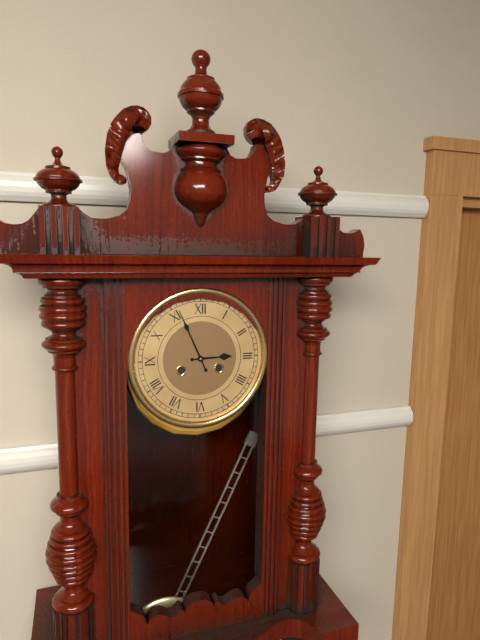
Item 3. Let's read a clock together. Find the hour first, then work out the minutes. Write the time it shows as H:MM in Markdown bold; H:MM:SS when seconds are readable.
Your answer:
**2:56**
